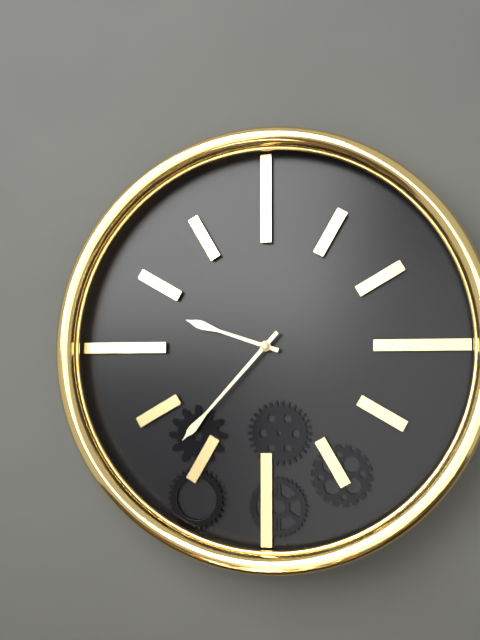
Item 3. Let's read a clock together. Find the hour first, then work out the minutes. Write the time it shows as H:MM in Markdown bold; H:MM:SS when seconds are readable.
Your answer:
**9:37**
